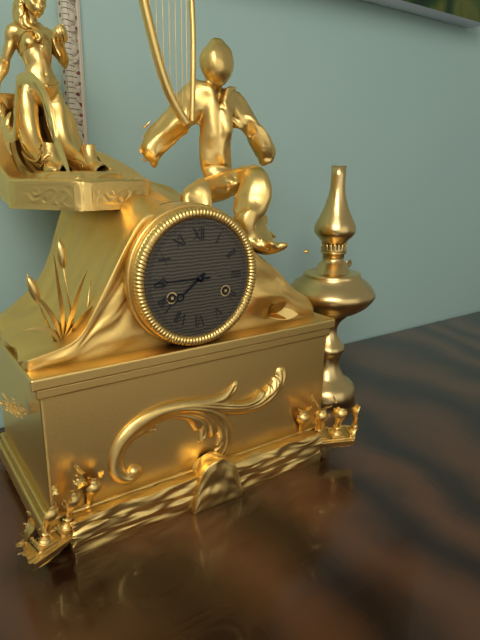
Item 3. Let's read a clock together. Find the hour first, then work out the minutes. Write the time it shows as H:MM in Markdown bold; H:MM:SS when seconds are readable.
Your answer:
**7:45**
